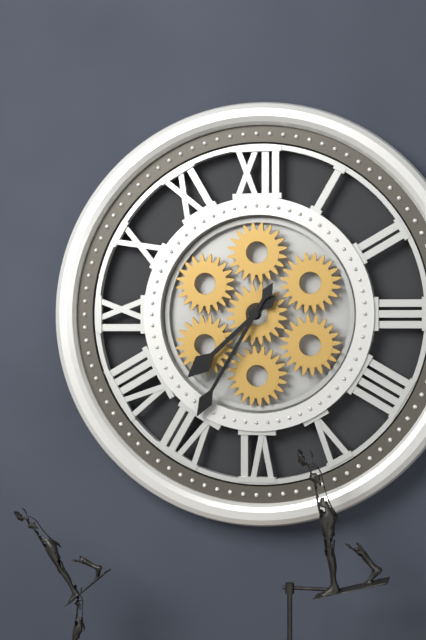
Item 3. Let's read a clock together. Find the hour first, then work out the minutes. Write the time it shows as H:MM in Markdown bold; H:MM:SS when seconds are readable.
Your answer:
**7:35**
